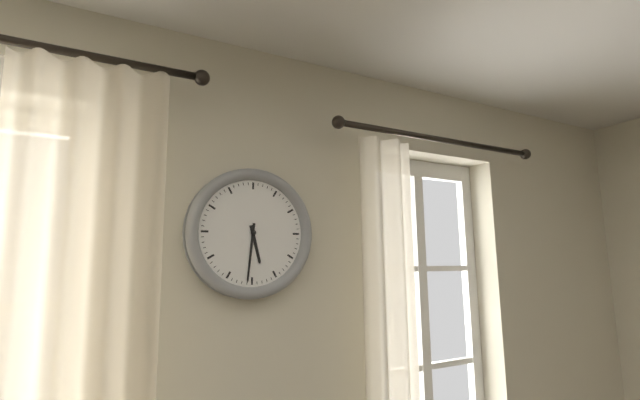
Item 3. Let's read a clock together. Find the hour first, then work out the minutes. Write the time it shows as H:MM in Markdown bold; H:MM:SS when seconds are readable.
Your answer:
**5:31**
